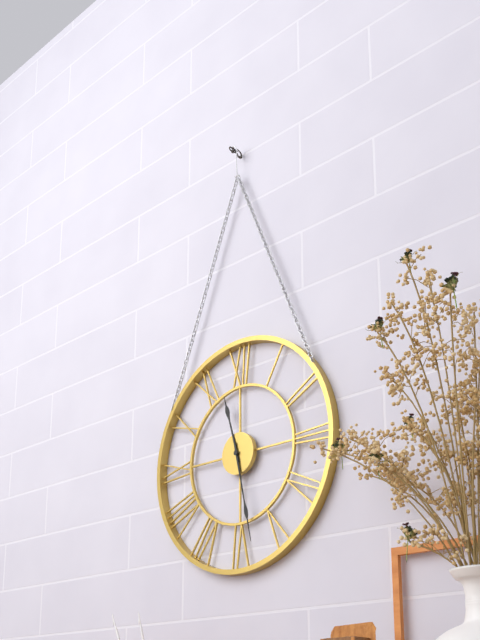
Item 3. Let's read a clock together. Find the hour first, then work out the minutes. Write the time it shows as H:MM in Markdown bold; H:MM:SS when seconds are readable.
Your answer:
**11:28**
